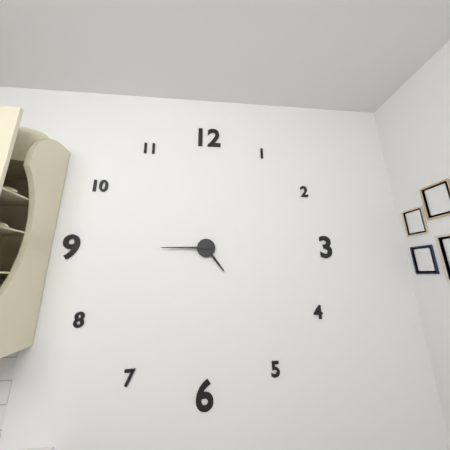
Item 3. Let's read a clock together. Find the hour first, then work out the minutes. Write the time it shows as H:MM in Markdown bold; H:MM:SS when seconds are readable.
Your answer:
**4:45**
